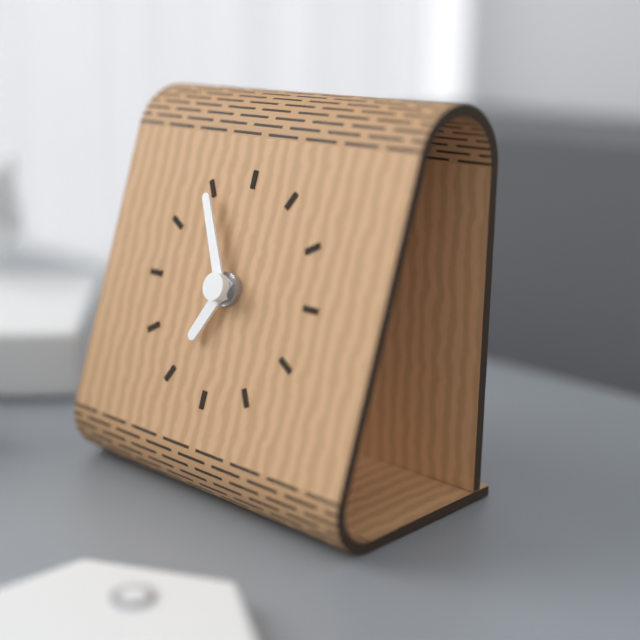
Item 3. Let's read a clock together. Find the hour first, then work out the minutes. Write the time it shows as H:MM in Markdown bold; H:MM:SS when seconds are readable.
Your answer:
**6:55**
